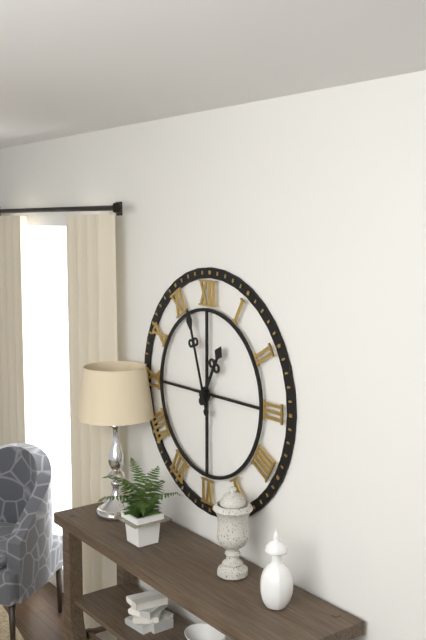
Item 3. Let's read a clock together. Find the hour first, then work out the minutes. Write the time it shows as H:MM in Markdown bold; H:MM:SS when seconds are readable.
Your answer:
**12:57**
